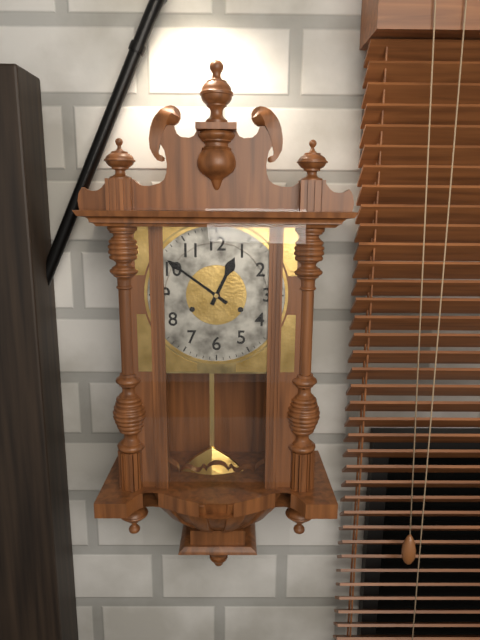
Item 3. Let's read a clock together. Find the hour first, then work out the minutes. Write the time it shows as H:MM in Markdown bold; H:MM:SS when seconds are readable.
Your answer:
**12:51**
